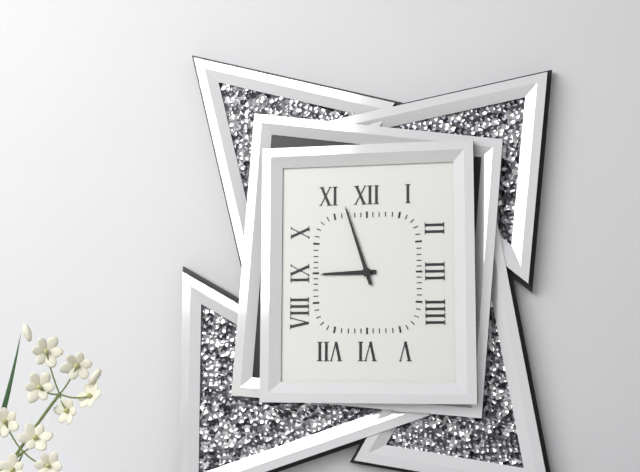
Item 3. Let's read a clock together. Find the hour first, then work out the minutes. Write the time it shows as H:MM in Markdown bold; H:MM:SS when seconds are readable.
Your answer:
**8:57**
